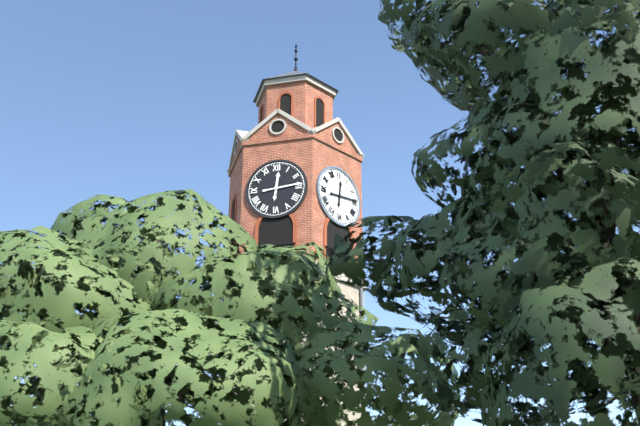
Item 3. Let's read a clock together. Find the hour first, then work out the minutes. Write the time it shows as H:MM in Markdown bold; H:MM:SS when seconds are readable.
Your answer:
**12:14**
